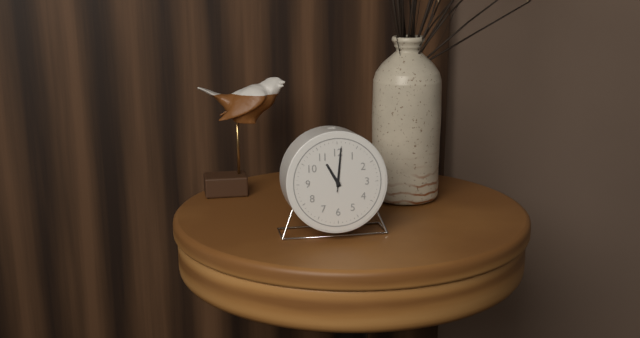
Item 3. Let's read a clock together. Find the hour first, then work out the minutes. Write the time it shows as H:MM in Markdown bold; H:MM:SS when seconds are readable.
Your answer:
**11:01**
